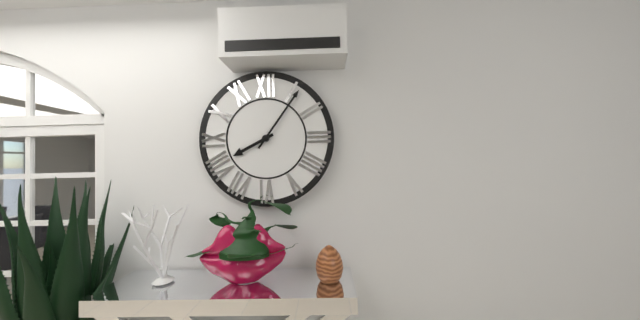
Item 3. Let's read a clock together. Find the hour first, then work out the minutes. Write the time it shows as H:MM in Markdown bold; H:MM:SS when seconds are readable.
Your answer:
**8:06**
